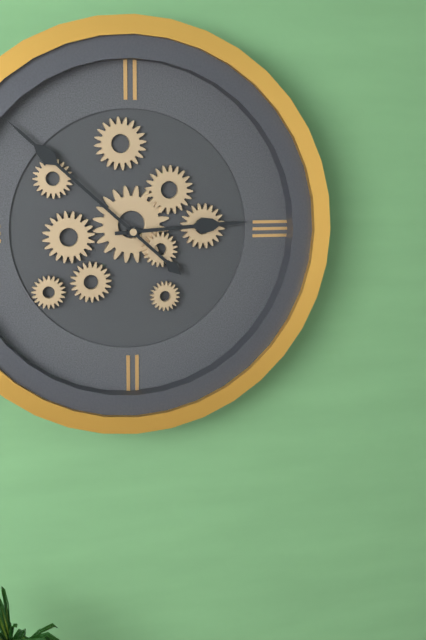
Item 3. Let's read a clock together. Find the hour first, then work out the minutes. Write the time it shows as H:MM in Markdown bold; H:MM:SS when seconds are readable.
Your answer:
**2:52**
